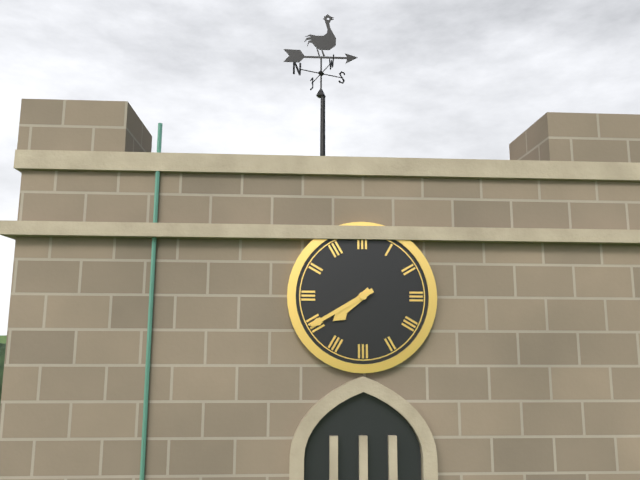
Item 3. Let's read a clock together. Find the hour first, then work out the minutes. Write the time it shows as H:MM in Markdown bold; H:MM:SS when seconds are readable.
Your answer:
**7:40**
